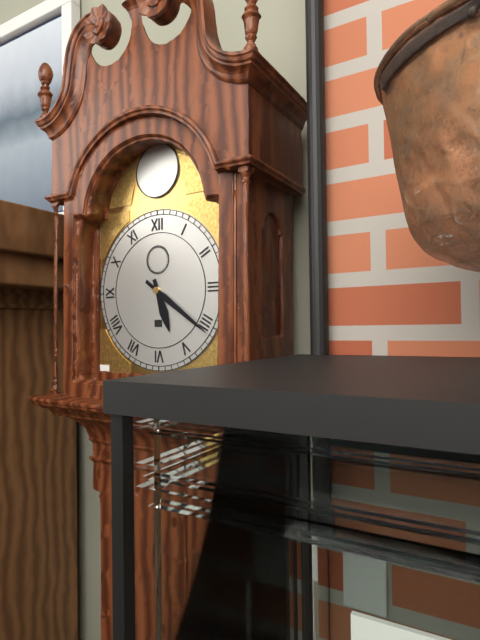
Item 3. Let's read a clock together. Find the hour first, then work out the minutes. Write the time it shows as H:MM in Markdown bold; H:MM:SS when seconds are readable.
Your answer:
**5:21**
